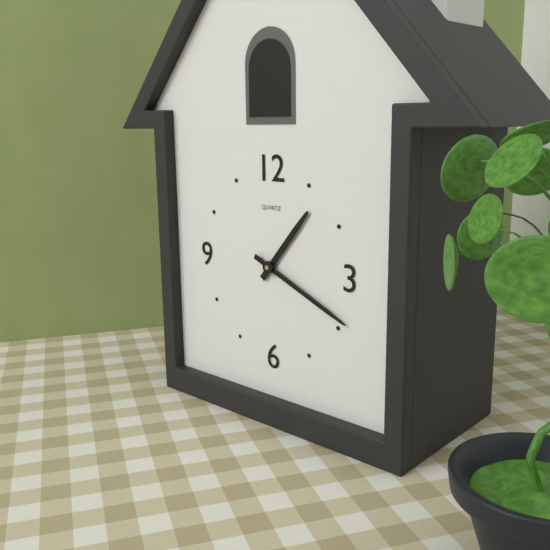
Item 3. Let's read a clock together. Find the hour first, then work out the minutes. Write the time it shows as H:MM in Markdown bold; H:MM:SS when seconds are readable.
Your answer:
**1:19**
